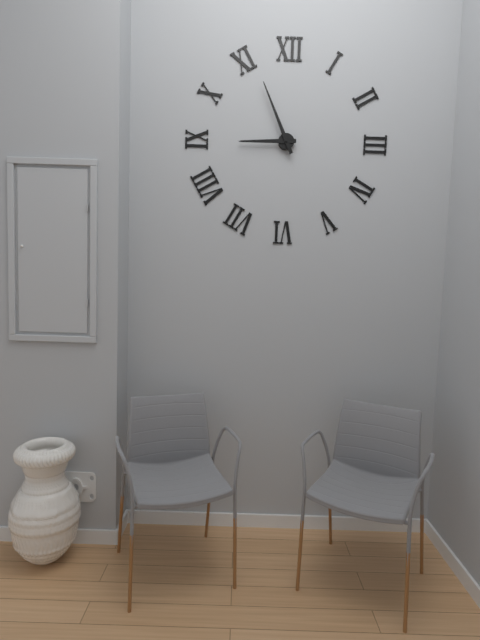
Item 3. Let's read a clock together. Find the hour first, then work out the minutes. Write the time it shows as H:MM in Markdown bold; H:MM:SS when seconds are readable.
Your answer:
**8:56**
